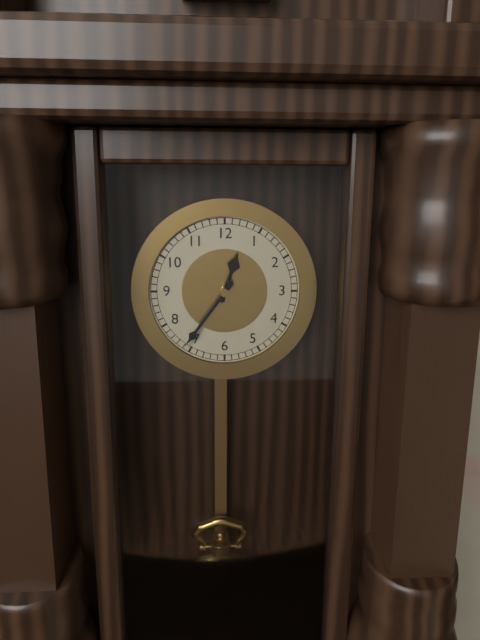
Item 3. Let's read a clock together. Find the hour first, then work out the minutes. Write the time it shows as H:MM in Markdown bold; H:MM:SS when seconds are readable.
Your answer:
**12:36**
